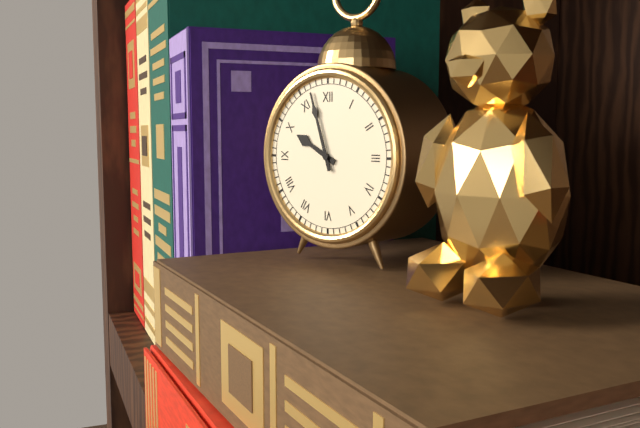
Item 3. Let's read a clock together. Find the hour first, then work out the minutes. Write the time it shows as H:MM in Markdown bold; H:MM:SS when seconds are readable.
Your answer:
**9:57**
